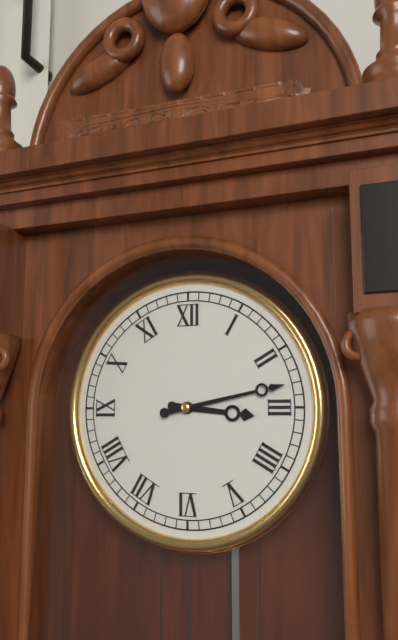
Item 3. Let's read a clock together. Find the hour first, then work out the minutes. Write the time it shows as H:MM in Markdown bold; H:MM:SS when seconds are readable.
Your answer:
**3:13**
